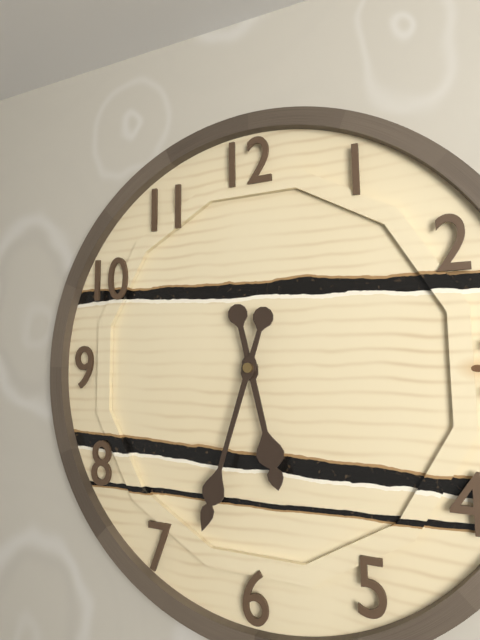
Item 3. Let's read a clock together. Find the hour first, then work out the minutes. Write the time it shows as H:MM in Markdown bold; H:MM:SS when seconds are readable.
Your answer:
**5:33**
